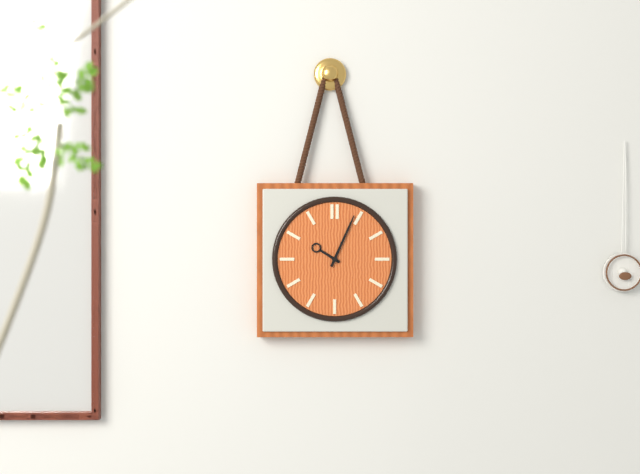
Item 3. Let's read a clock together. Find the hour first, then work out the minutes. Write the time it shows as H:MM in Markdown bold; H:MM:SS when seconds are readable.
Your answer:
**10:04**
